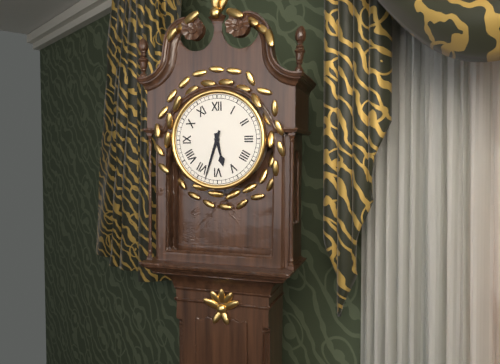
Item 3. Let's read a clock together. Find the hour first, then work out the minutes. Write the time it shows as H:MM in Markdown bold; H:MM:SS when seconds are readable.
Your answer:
**5:33**
